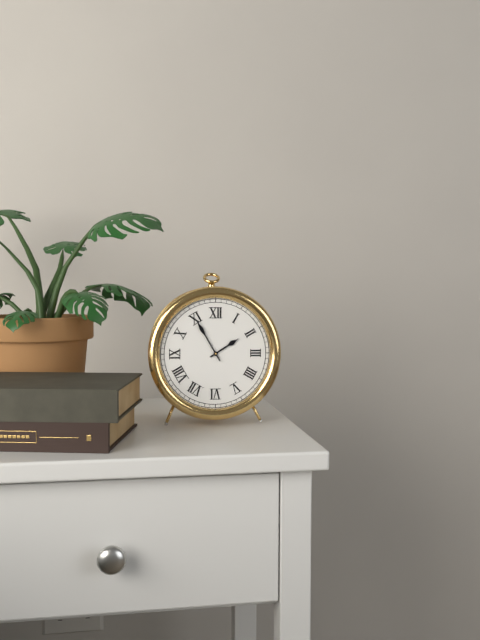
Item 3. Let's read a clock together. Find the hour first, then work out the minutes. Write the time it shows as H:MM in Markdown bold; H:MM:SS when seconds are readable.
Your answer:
**1:55**
